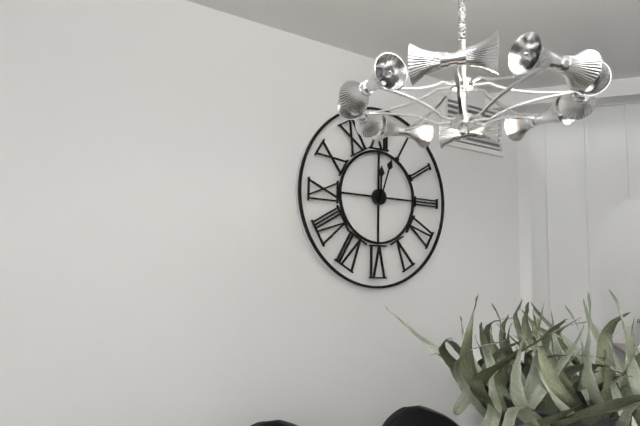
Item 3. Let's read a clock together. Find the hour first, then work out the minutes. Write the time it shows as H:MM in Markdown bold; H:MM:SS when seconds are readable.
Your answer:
**12:03**
